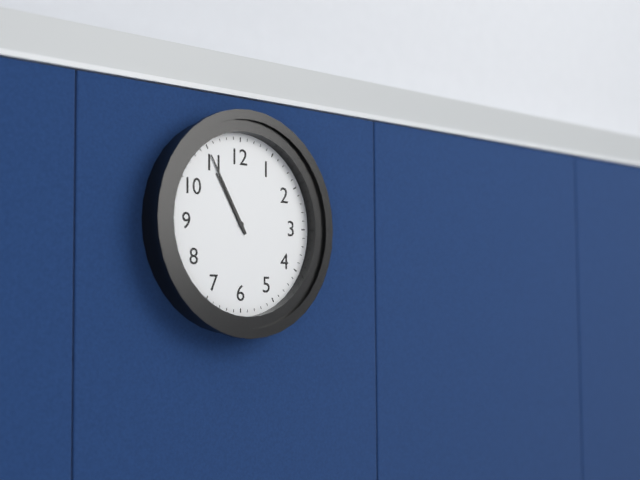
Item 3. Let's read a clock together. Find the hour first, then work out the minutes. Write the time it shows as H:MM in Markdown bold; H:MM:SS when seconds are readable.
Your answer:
**10:55**
